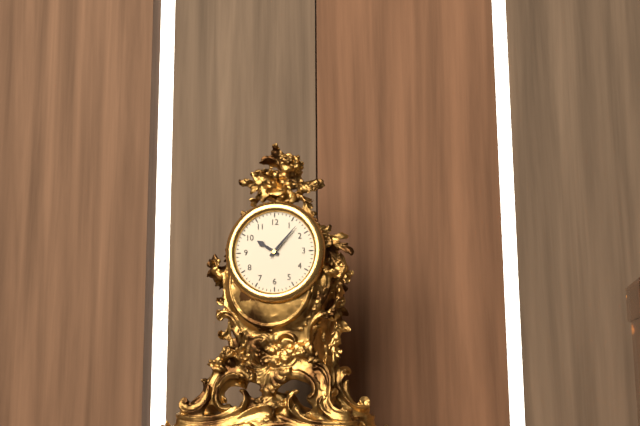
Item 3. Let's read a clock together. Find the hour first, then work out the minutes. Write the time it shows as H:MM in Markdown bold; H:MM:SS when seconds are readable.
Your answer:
**10:07**
